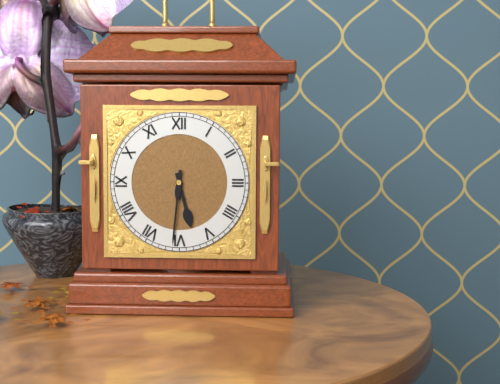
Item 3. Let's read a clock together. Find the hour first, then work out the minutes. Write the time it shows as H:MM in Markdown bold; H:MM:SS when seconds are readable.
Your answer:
**5:31**
